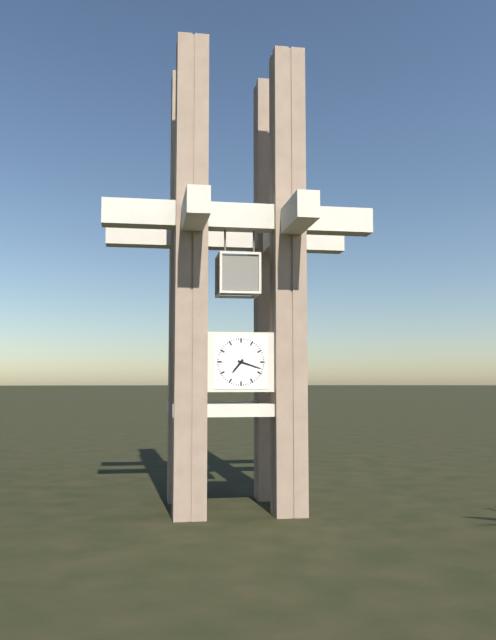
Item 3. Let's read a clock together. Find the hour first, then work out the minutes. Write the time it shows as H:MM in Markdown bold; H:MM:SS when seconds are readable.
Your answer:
**7:18**
